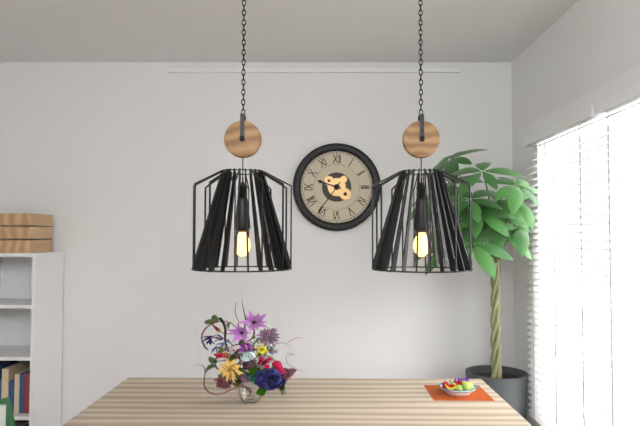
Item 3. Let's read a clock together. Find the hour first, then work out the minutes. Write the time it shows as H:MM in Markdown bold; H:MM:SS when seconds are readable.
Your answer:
**9:36**
